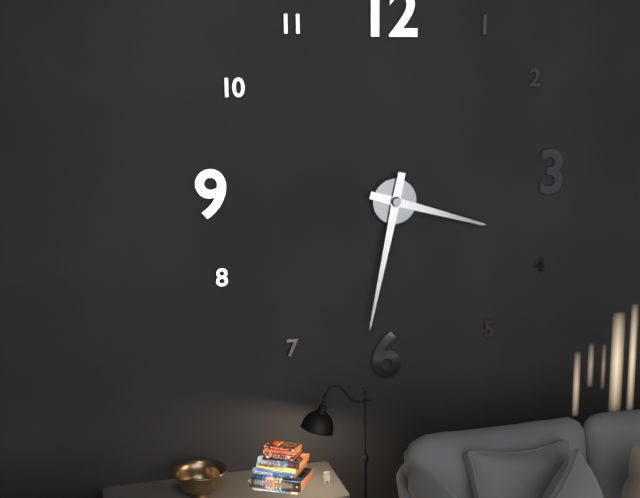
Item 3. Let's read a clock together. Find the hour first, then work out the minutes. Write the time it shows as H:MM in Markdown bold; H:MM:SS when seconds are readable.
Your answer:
**3:32**
